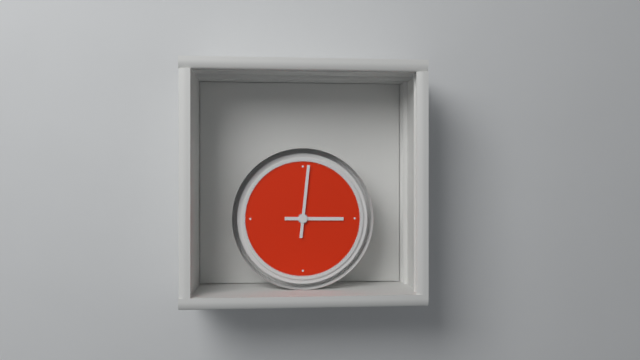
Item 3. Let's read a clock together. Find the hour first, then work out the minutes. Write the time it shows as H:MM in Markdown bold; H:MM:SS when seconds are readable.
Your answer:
**3:01**
